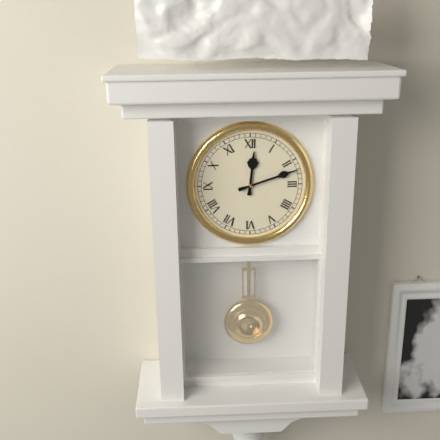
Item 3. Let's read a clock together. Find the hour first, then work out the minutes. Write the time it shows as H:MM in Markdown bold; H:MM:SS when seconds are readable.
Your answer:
**12:12**
